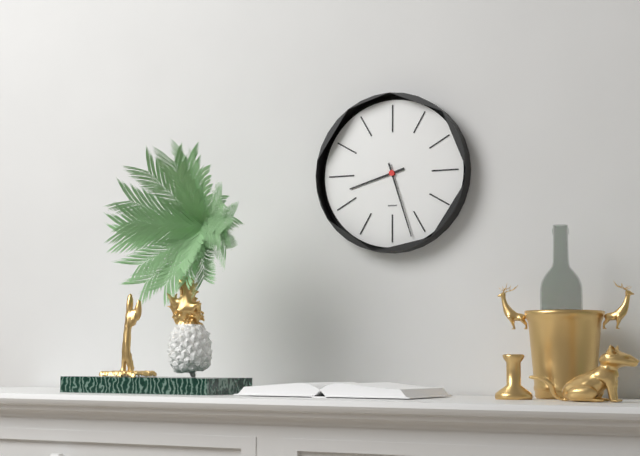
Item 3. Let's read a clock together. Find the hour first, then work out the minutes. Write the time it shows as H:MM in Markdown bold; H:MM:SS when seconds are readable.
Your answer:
**8:27**
